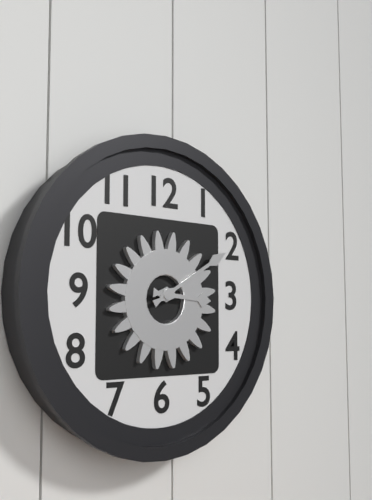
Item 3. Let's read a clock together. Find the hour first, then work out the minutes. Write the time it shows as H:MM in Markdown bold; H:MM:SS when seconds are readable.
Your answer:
**3:10**
